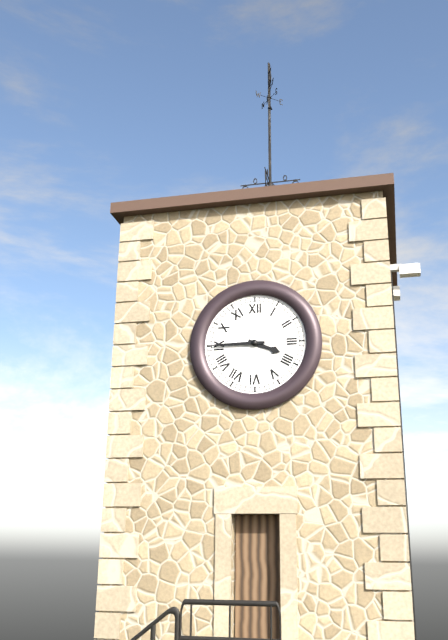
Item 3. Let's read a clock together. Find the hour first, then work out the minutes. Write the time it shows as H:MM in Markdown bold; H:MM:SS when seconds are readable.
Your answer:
**3:45**
